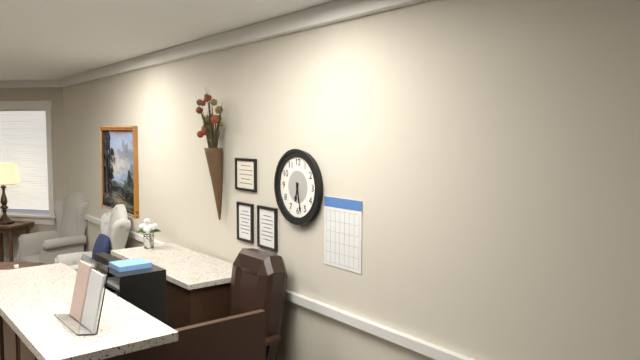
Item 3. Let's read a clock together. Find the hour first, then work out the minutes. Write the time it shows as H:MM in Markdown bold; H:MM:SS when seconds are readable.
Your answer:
**6:28**
